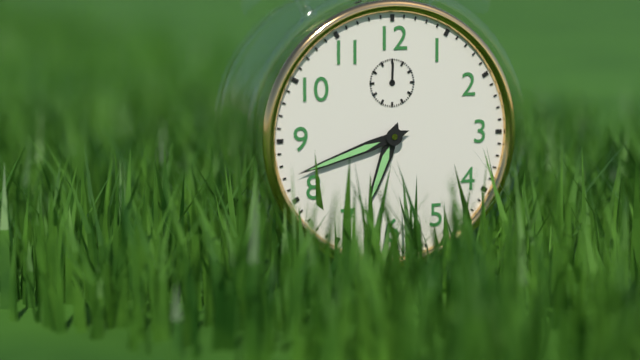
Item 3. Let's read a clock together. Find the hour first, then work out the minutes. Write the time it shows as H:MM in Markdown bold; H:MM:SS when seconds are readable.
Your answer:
**6:42**
